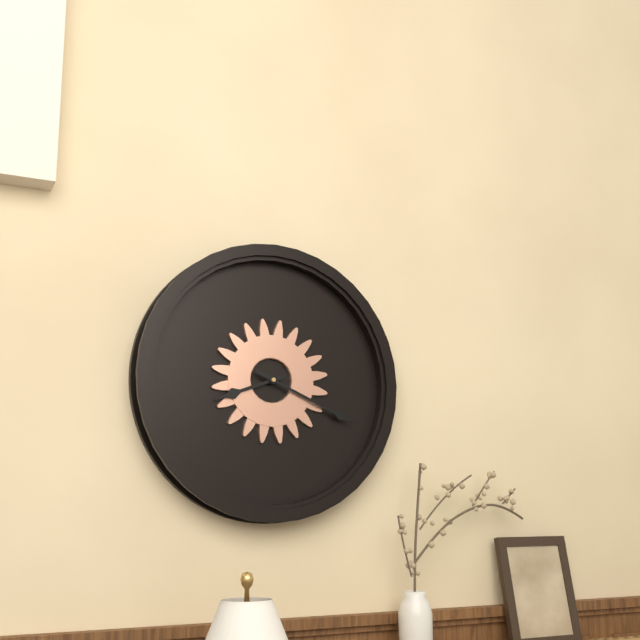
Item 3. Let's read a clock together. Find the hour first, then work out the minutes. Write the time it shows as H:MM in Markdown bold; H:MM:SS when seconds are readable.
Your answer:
**8:19**
